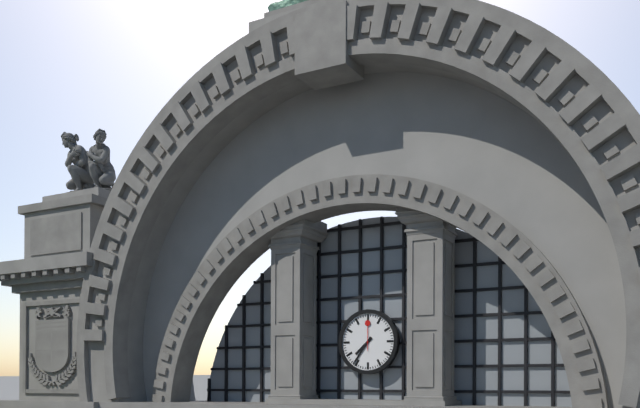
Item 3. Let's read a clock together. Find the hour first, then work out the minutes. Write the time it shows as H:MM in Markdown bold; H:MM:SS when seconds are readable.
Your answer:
**7:36**
